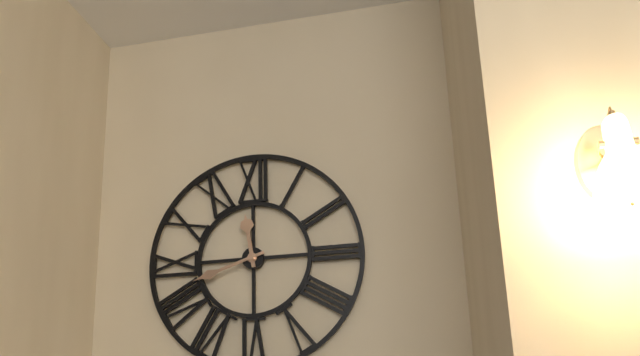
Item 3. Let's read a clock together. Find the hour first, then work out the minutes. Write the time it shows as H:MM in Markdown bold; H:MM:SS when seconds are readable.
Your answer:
**11:42**
